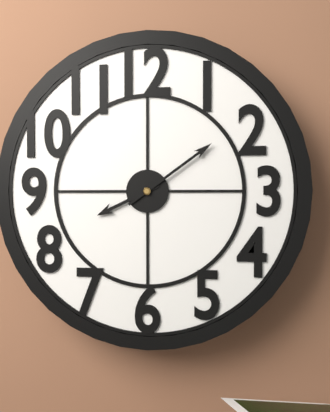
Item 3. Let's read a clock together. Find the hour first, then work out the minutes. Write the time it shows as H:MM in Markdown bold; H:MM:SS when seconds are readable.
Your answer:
**8:09**
